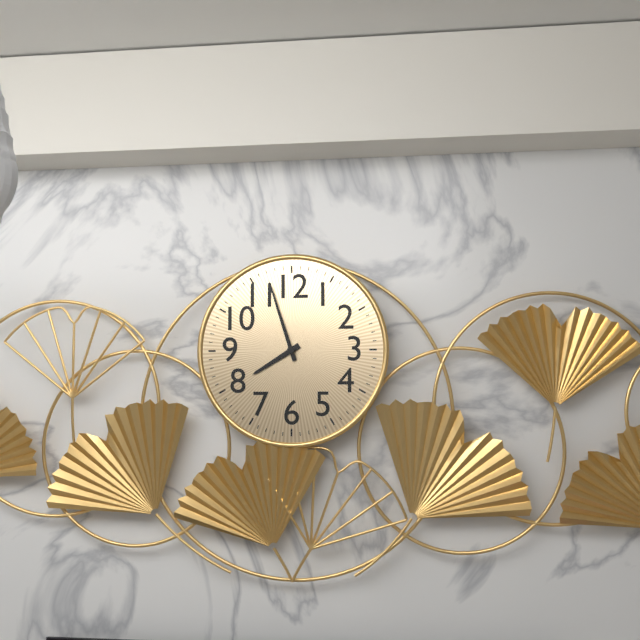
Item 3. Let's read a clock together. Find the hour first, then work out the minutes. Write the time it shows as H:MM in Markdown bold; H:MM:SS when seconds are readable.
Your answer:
**7:57**
